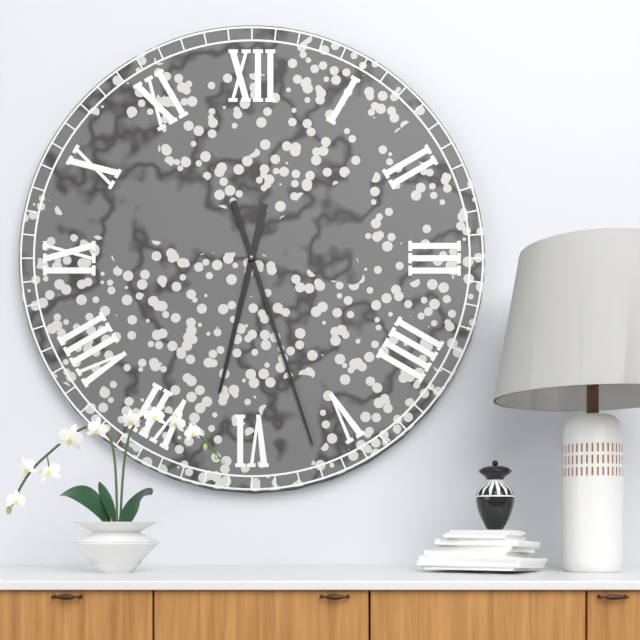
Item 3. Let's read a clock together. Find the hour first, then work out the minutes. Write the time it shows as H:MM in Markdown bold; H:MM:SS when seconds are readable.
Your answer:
**6:27**
